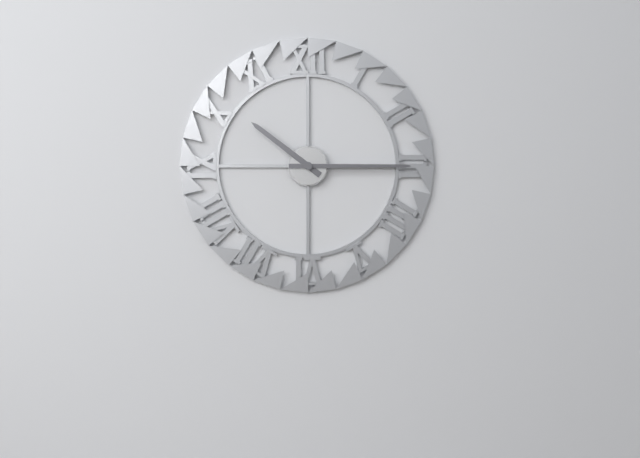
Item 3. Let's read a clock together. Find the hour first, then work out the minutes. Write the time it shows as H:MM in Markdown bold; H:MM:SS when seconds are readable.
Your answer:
**10:15**
